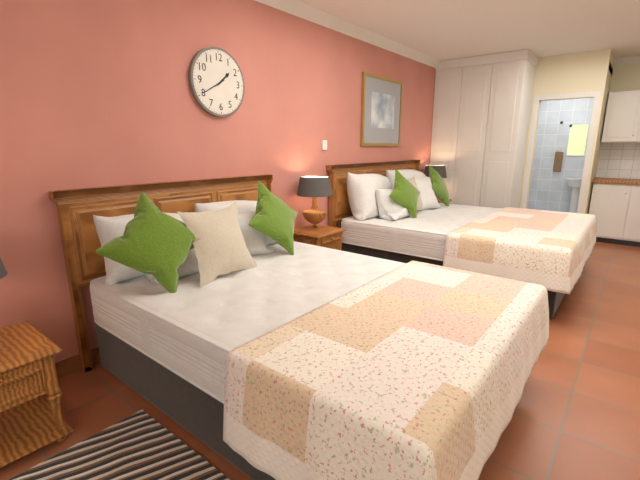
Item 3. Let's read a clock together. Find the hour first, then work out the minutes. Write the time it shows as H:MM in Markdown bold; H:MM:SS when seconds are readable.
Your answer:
**1:40**
